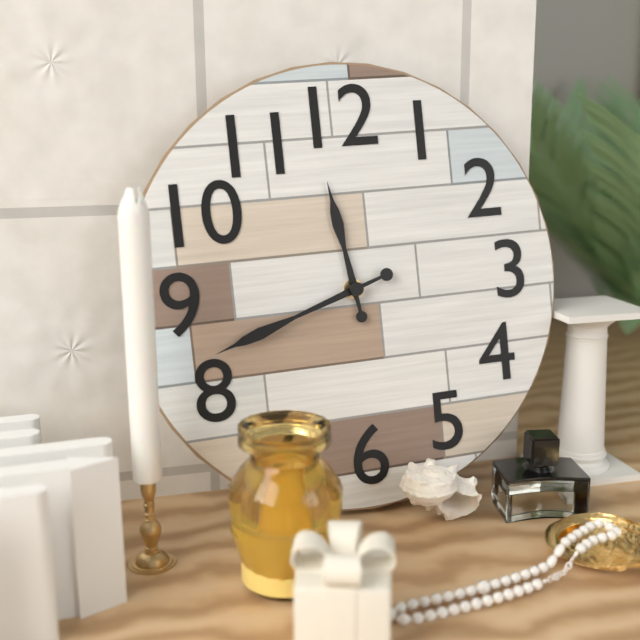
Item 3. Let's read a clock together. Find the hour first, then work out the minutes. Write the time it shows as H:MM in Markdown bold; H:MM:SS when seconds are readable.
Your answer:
**11:42**
